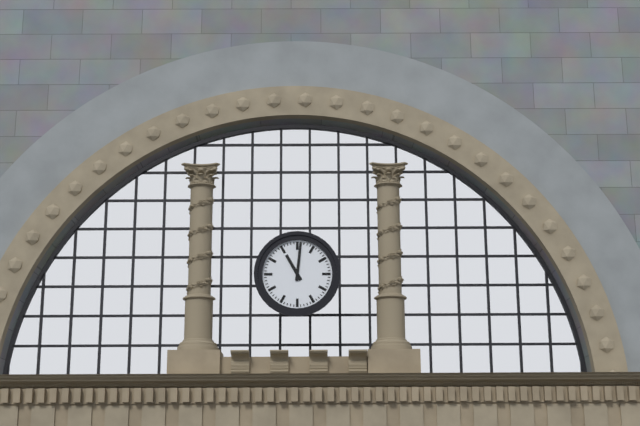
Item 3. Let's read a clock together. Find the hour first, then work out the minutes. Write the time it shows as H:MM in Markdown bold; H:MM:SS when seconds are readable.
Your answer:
**11:01**
